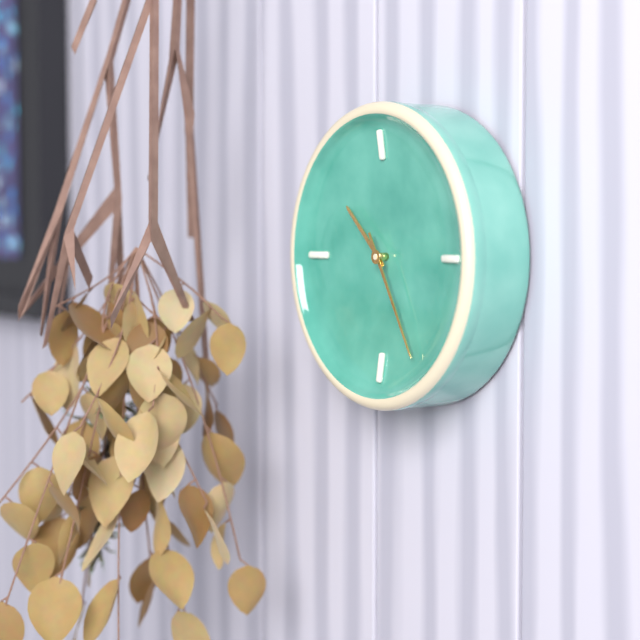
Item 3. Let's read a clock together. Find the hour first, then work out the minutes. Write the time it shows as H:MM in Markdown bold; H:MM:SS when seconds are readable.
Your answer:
**10:25**
